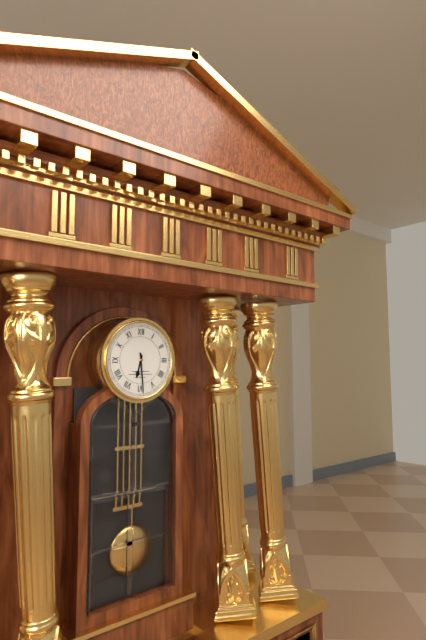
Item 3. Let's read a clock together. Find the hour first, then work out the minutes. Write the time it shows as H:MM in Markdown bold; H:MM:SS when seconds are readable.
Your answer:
**6:29**
